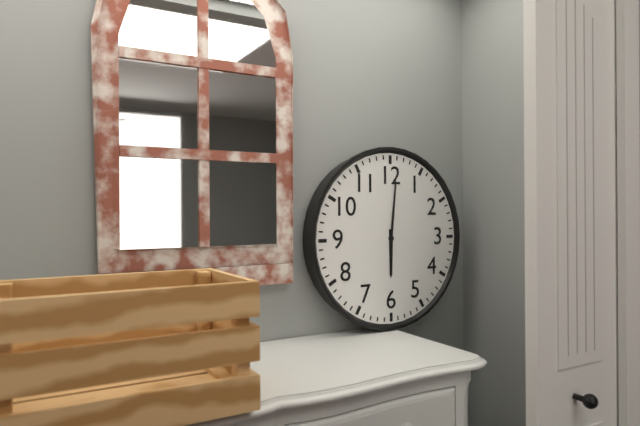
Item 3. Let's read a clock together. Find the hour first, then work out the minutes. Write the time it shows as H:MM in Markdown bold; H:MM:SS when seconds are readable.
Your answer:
**6:01**
